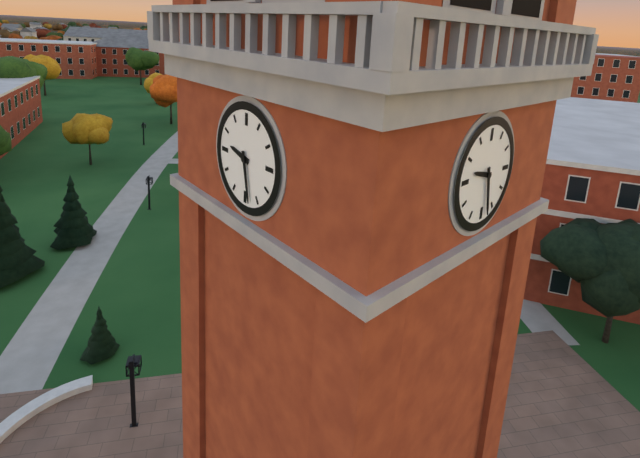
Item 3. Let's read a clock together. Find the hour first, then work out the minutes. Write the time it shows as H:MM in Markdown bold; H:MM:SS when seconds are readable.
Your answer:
**9:28**
